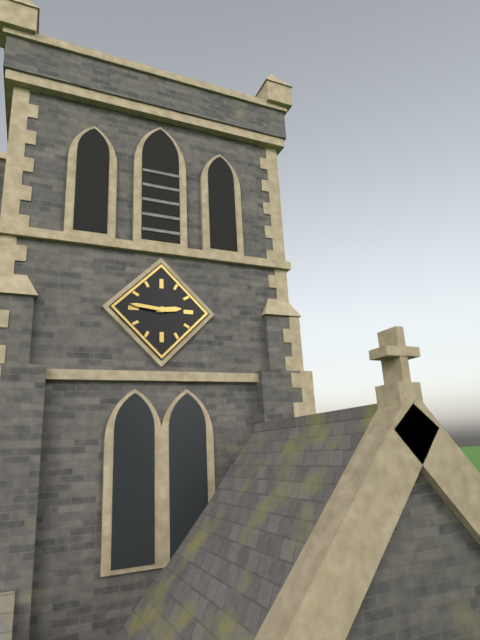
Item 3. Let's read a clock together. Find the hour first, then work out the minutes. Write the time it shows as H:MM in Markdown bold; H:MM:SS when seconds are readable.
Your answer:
**2:46**
